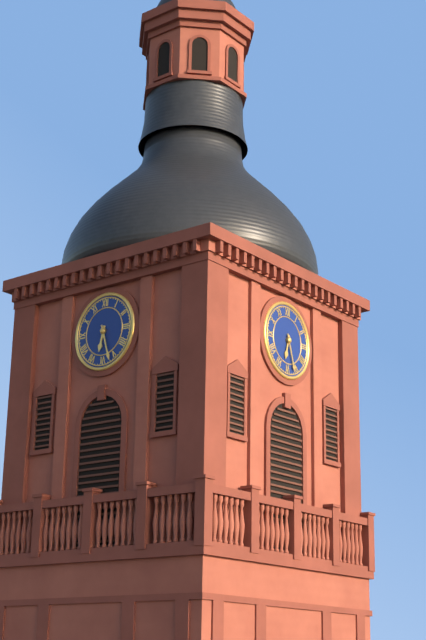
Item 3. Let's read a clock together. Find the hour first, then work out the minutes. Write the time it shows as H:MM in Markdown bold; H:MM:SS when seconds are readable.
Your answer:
**6:27**
